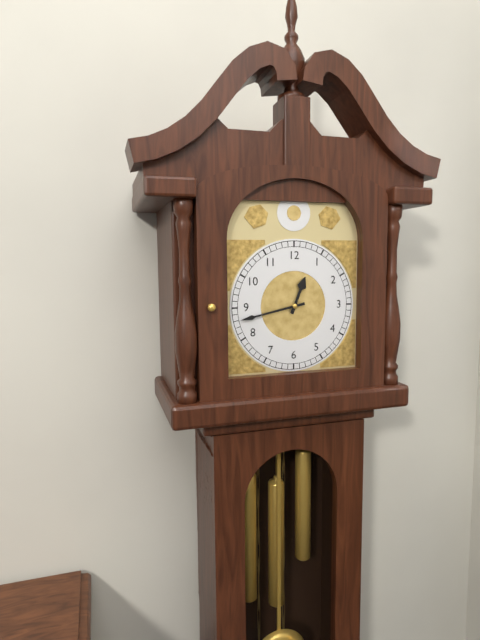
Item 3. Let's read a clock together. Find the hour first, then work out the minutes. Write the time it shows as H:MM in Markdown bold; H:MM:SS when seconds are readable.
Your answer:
**12:43**
